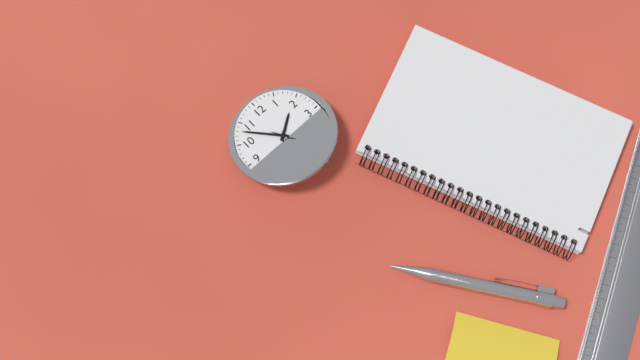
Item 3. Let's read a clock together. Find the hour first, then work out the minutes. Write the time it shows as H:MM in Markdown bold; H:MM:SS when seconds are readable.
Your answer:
**1:53**
